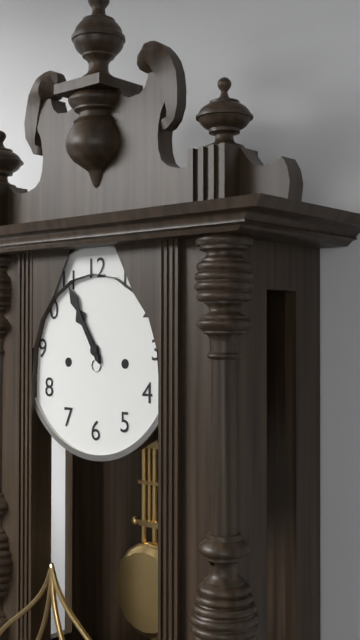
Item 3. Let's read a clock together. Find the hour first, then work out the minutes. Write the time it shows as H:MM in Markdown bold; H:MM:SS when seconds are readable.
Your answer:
**10:55**
